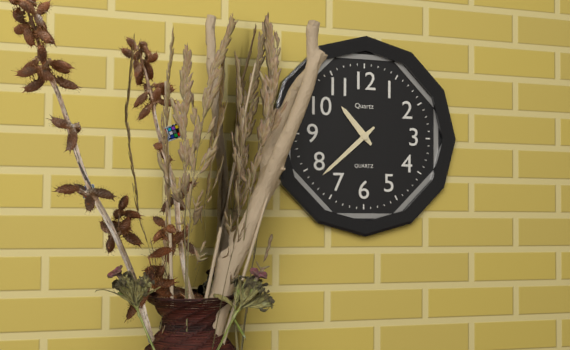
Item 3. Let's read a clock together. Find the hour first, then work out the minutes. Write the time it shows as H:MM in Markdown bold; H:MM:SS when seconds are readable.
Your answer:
**10:38**
